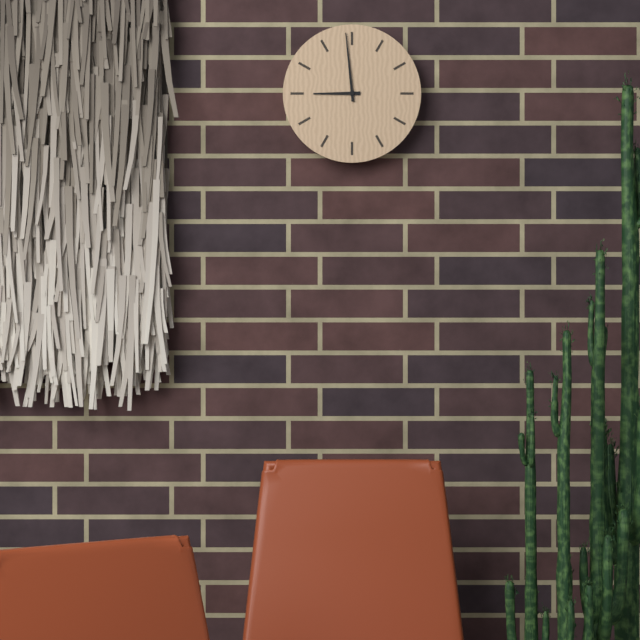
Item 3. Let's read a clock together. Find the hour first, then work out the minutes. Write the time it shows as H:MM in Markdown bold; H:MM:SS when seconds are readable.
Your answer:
**8:59**
